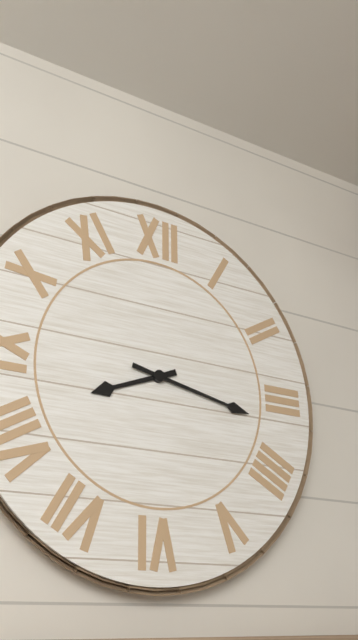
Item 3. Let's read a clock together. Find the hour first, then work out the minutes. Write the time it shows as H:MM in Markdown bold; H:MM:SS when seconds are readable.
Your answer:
**8:17**
